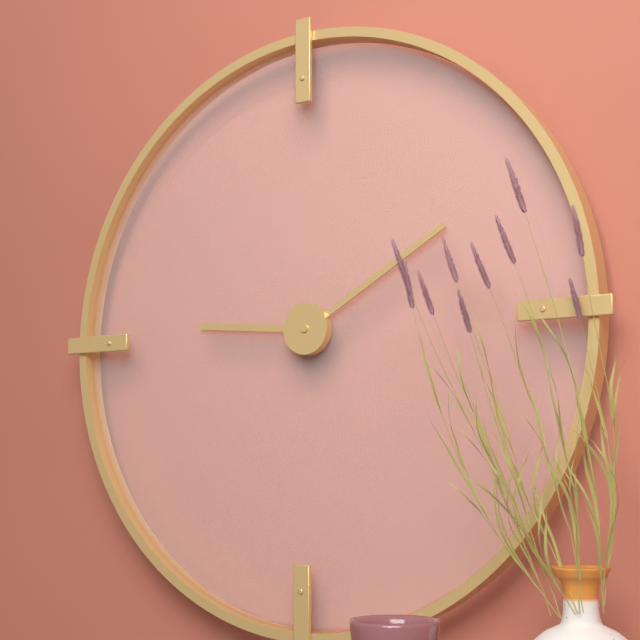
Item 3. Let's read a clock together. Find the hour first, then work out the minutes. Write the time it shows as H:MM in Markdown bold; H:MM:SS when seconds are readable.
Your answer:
**9:10**
